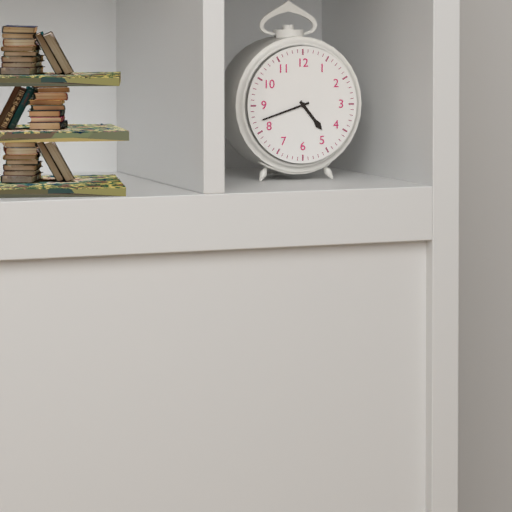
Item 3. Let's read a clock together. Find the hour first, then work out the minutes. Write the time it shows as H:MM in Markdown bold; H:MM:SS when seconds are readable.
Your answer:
**4:42**
